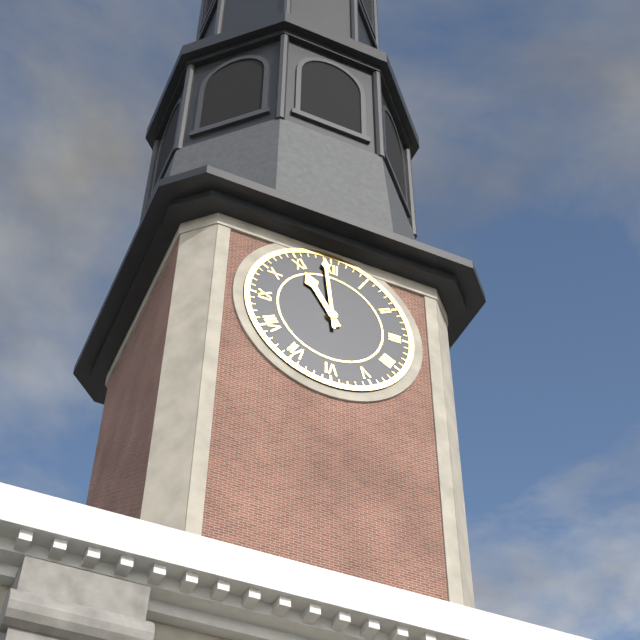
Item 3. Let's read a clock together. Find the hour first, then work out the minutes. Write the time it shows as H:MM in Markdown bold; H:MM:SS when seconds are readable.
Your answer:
**10:59**
